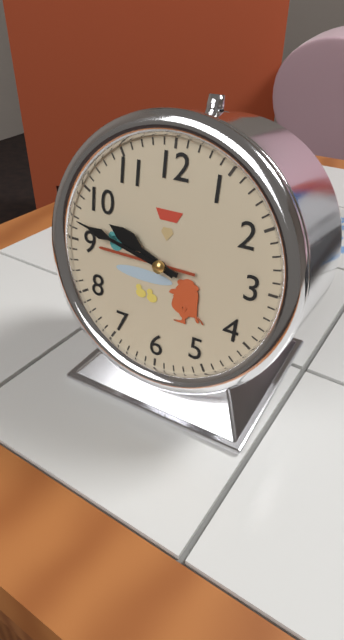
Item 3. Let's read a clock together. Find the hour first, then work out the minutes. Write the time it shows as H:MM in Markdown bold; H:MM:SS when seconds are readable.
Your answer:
**9:47**
